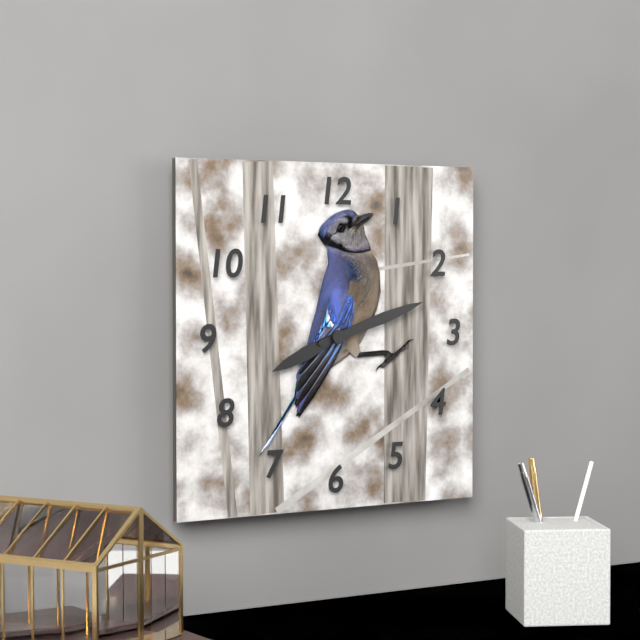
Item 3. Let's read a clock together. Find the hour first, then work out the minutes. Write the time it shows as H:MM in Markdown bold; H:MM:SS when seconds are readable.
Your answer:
**8:12**
